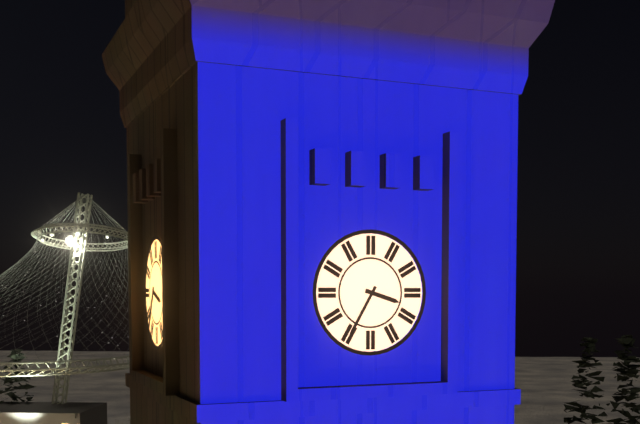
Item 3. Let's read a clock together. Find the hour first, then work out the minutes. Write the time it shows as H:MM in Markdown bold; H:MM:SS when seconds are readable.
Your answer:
**3:35**
